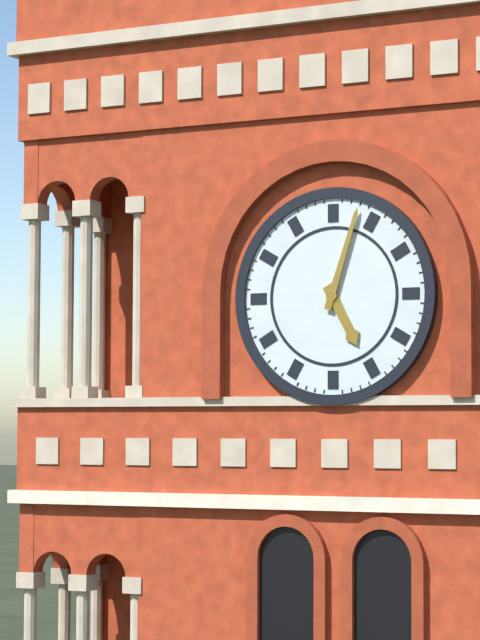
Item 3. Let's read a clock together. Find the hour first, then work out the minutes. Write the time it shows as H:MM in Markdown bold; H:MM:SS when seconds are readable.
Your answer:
**5:03**
